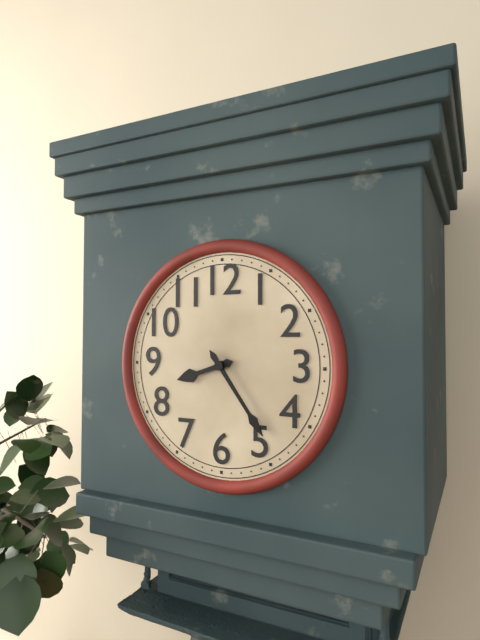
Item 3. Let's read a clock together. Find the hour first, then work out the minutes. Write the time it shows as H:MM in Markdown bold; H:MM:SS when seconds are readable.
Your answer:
**8:24**
